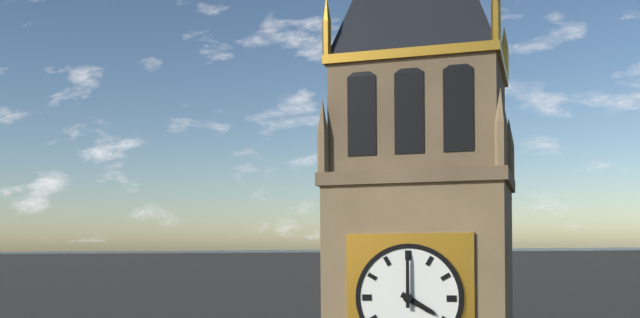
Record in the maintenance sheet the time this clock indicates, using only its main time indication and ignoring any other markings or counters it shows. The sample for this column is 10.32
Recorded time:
4.00
